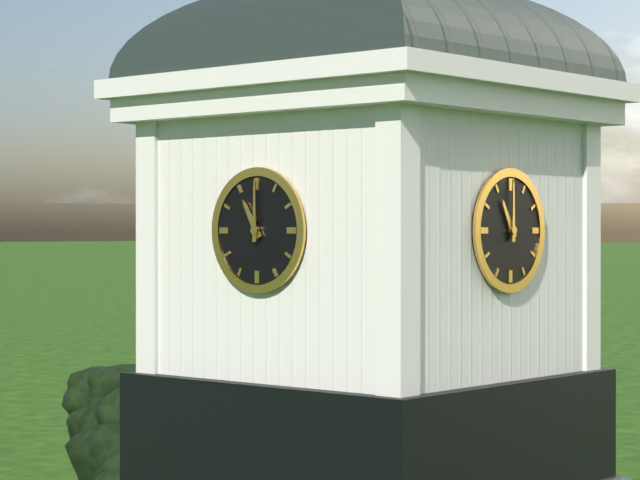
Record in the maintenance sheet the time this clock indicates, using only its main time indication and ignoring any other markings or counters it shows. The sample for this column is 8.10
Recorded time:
11.00
